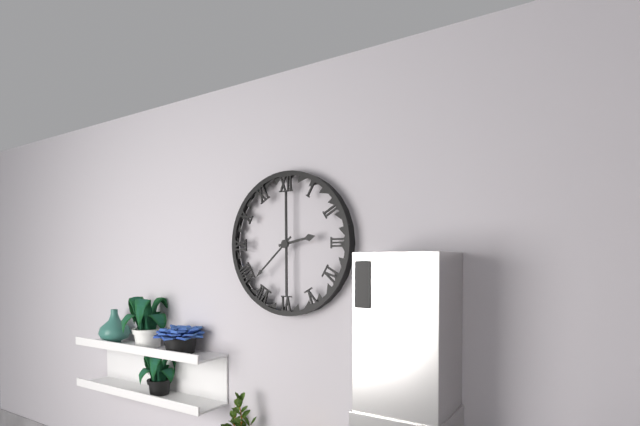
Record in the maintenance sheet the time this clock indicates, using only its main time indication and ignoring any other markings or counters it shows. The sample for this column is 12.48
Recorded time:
2.38
